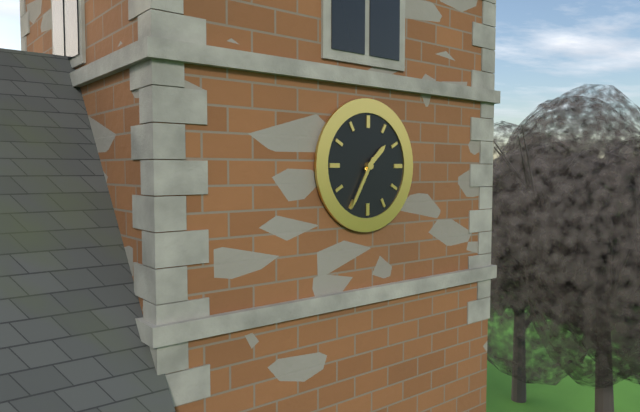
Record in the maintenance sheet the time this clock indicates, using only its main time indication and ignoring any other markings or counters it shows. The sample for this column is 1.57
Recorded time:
1.35
